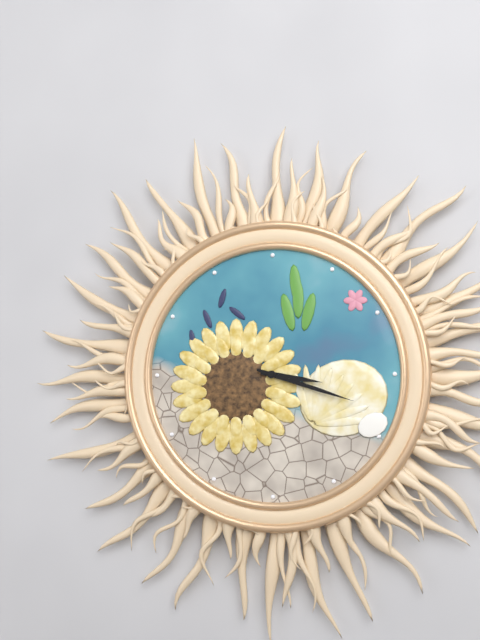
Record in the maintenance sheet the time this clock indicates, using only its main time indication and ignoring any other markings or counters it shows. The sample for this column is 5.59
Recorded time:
3.18
